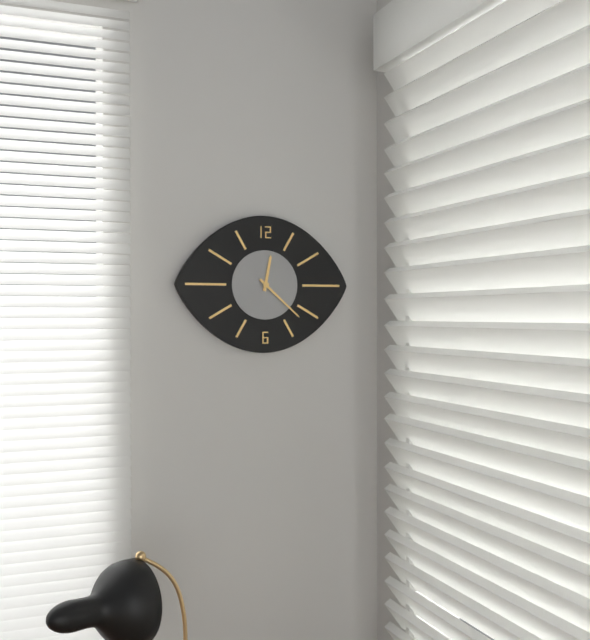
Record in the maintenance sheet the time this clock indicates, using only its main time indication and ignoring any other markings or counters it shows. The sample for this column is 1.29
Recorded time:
12.22
